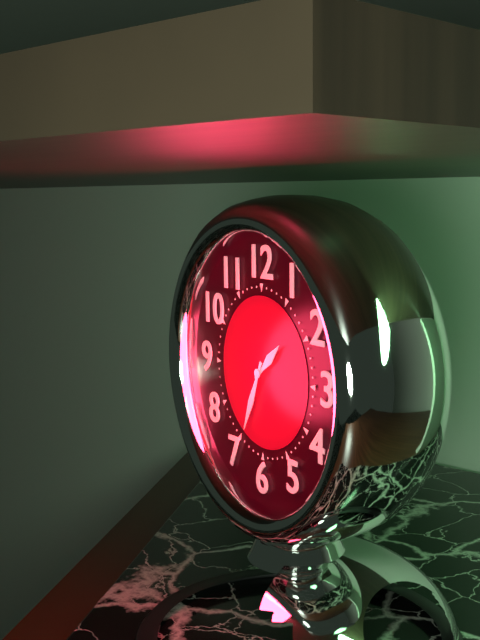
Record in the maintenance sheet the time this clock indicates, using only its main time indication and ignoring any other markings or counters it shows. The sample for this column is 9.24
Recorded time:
1.34
